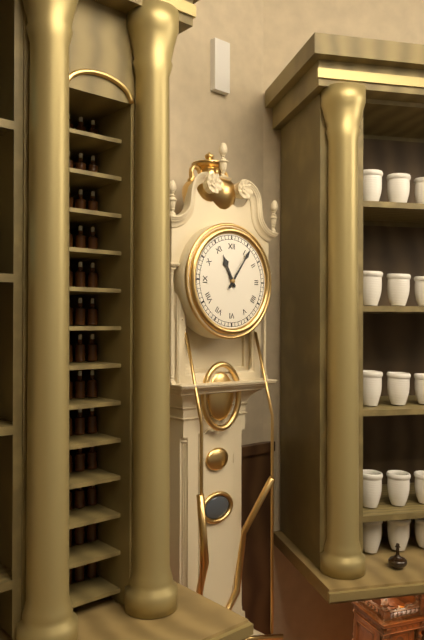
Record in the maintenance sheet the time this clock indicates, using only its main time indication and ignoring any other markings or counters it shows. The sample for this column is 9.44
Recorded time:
11.06
